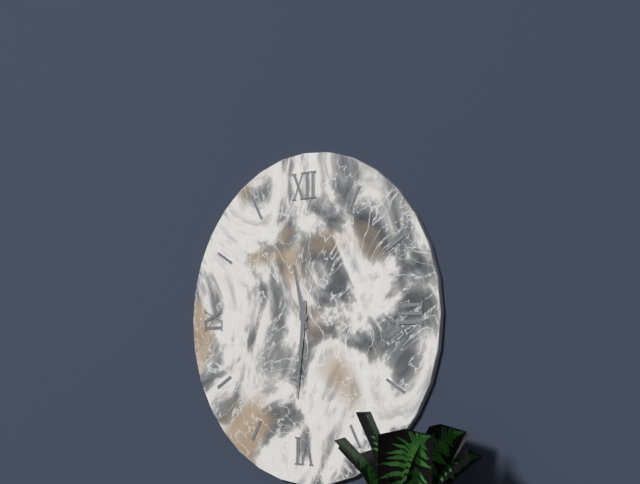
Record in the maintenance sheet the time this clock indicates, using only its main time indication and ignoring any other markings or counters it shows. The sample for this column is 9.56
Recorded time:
11.31
